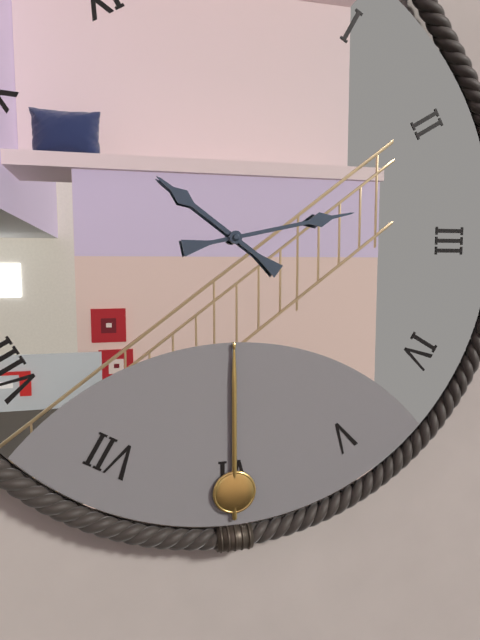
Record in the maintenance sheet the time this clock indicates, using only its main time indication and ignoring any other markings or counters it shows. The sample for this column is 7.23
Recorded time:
10.13
